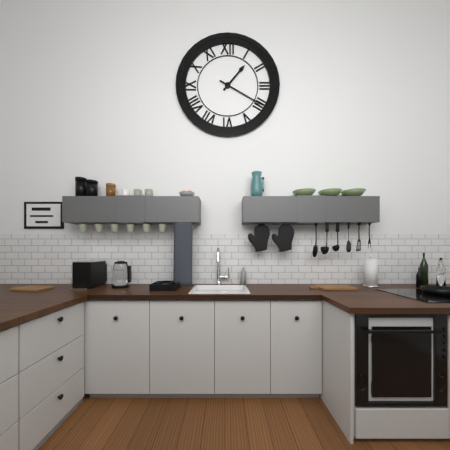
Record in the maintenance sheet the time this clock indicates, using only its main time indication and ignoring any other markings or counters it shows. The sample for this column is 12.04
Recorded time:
1.20
